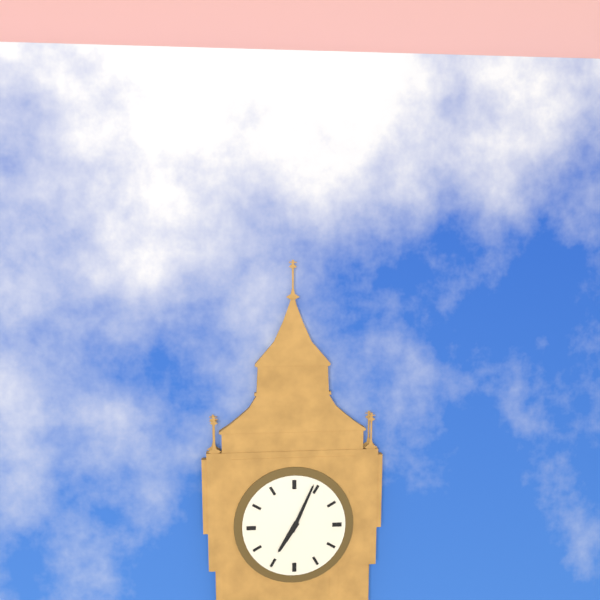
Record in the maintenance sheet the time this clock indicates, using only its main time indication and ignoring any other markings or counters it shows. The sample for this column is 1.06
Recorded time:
7.04
